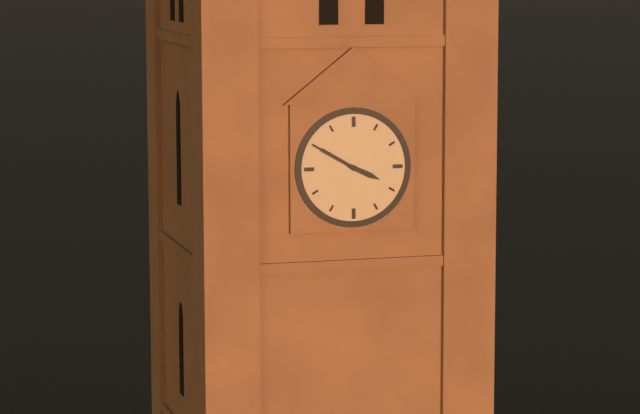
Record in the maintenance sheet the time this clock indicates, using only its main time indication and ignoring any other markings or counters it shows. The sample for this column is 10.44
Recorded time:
3.50
